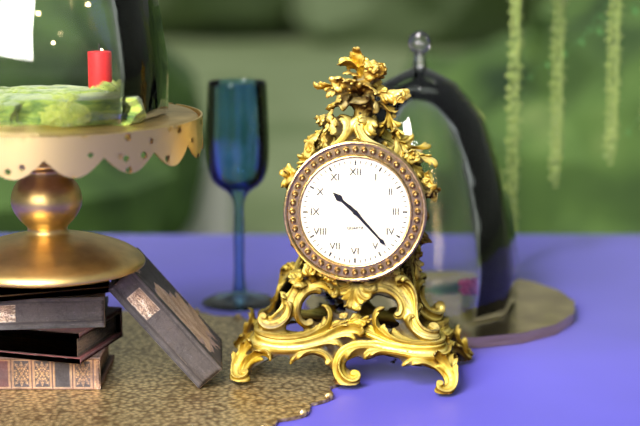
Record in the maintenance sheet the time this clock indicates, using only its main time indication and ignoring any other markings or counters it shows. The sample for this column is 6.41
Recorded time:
10.23
